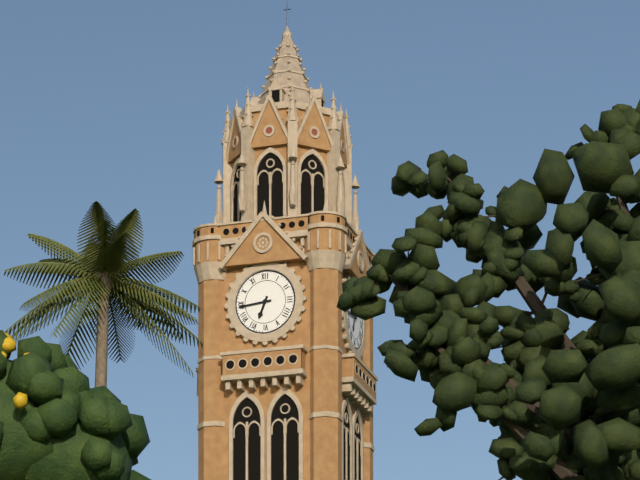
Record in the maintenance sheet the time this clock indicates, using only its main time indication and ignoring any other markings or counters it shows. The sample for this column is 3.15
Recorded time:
6.44
